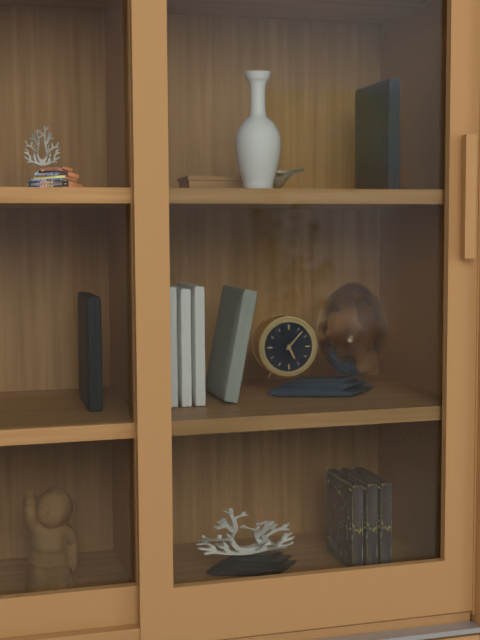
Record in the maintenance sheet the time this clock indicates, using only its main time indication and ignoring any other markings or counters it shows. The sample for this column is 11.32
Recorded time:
5.07
